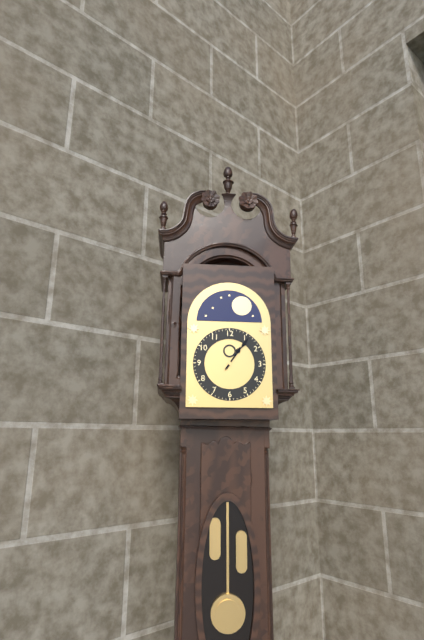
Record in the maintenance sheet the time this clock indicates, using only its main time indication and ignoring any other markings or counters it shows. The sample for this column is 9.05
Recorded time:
1.06
